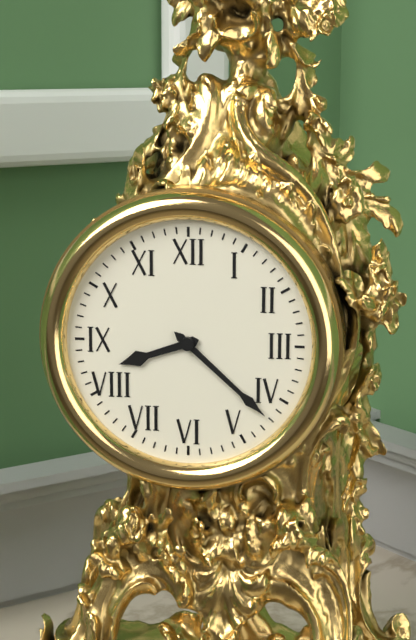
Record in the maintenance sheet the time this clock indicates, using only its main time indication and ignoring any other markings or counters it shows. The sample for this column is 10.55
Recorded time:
8.22
